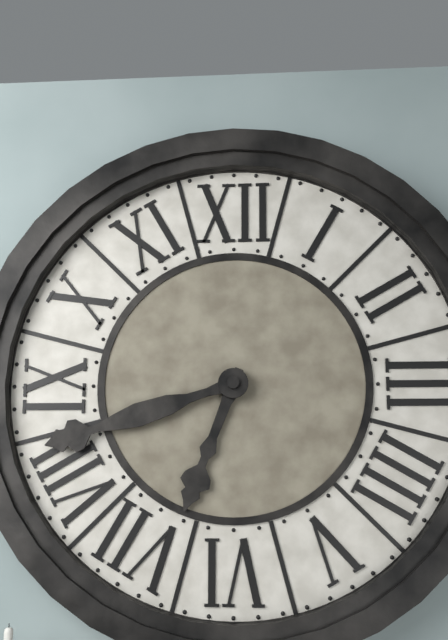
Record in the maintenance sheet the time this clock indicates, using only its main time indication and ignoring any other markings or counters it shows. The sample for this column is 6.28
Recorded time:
6.42
